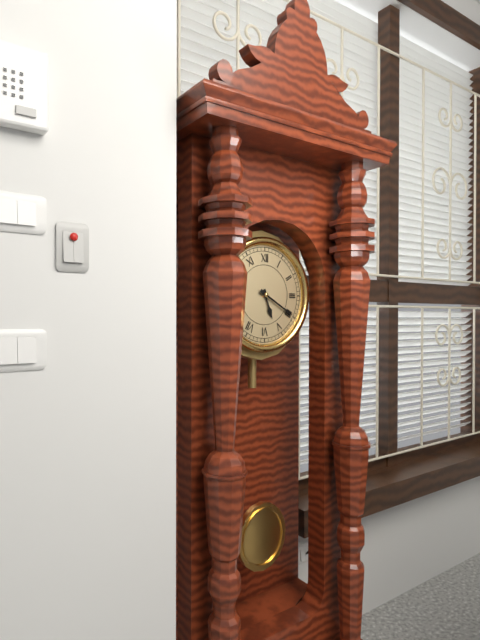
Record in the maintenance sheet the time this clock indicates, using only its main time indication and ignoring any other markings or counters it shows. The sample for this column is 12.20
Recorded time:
5.20
